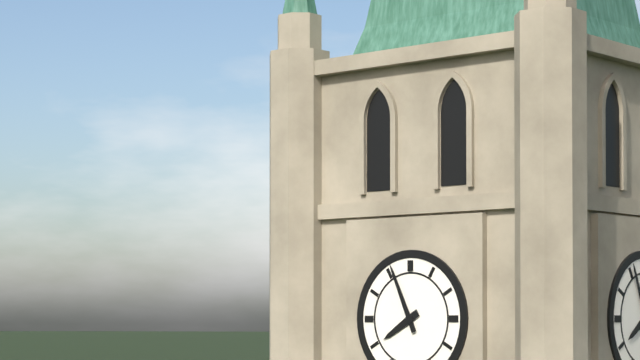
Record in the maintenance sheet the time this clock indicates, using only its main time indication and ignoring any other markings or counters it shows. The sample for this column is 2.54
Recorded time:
7.56
